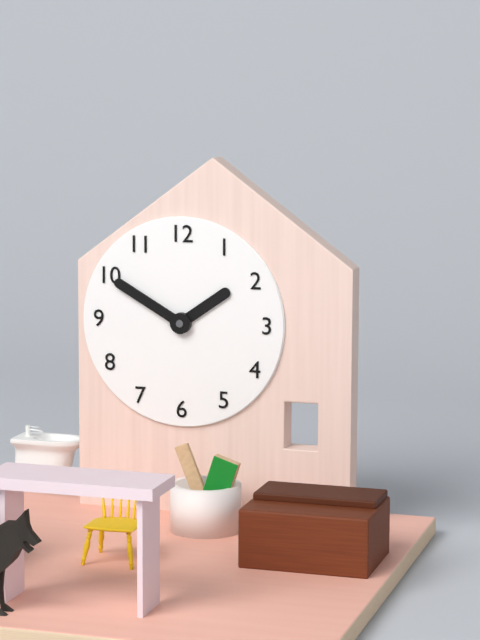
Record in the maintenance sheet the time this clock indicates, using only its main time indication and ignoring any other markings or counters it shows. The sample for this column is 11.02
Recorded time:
1.50
